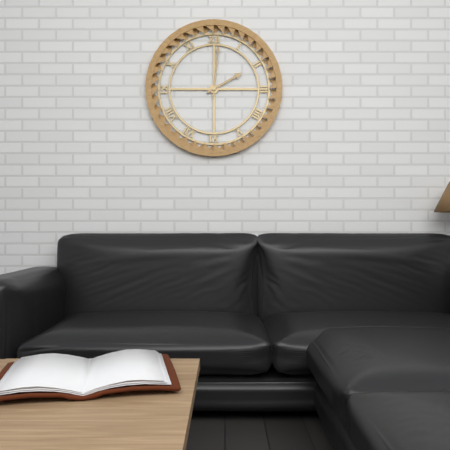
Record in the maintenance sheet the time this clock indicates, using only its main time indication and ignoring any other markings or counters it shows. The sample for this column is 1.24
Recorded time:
2.01
